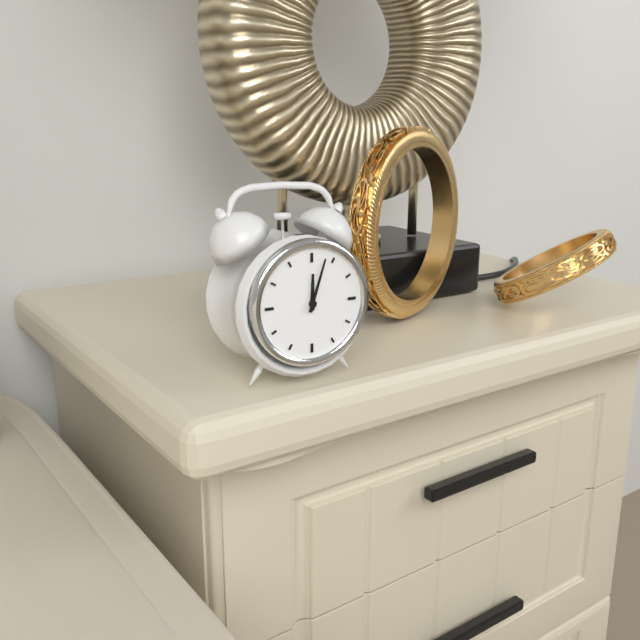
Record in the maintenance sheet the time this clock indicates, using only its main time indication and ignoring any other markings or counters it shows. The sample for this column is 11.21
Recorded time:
12.03
